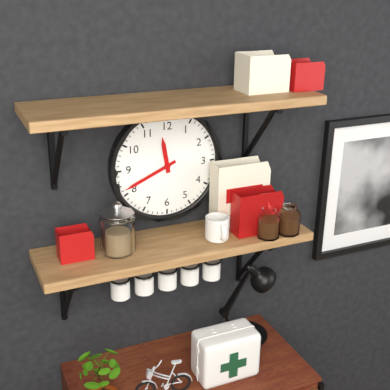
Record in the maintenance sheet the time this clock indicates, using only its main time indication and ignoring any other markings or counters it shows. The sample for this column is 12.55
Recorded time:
11.41
